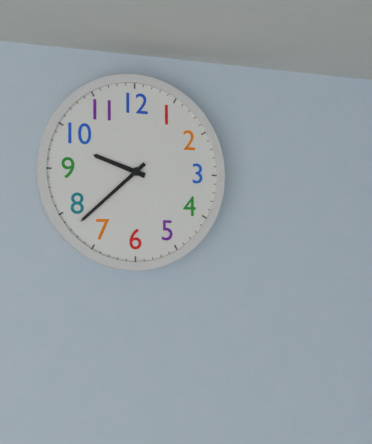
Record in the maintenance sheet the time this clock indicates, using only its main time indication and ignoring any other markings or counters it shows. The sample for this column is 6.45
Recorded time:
9.38
